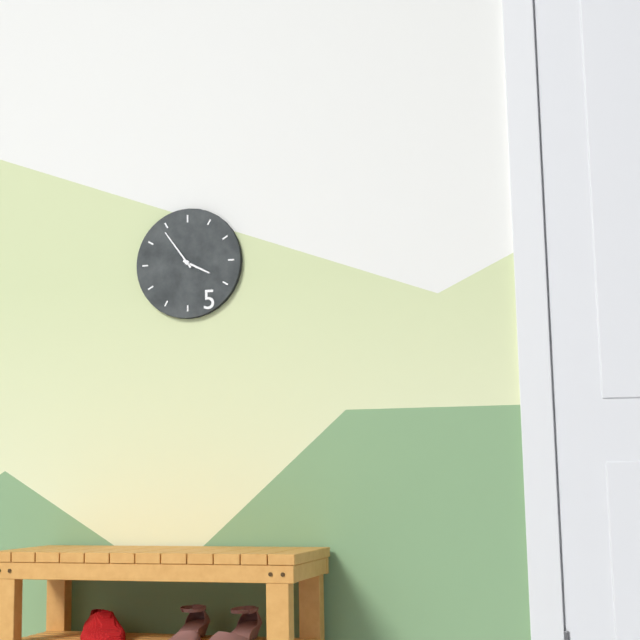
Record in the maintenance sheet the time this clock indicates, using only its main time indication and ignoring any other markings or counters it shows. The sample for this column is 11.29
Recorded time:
3.54
